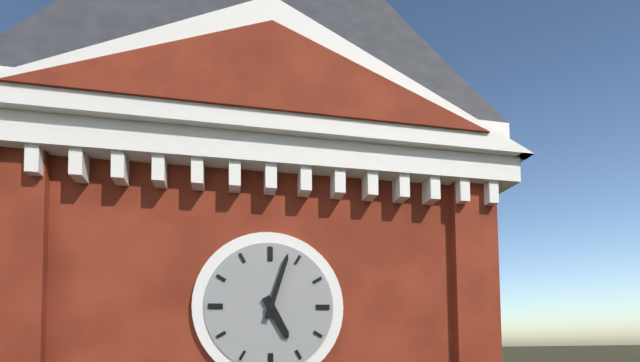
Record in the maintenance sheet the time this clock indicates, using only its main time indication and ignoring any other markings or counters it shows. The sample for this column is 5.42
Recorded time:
5.03
